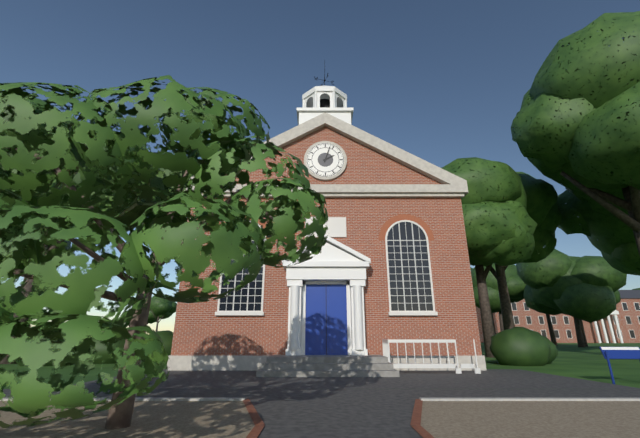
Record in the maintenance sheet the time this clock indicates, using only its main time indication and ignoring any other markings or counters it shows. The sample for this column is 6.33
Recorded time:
2.03
